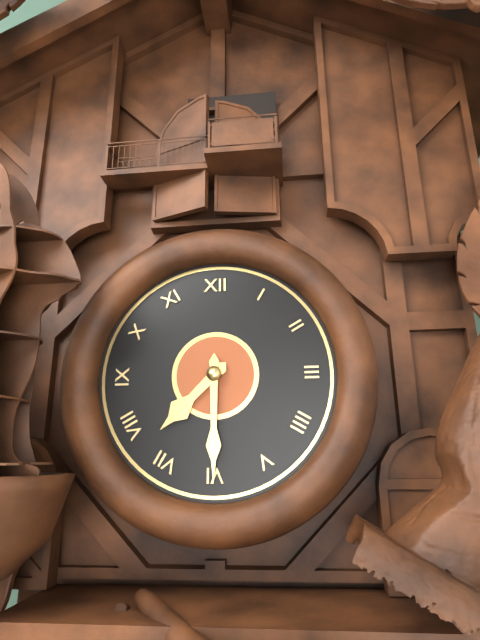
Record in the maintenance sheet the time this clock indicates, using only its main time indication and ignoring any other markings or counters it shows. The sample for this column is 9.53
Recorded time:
7.30
